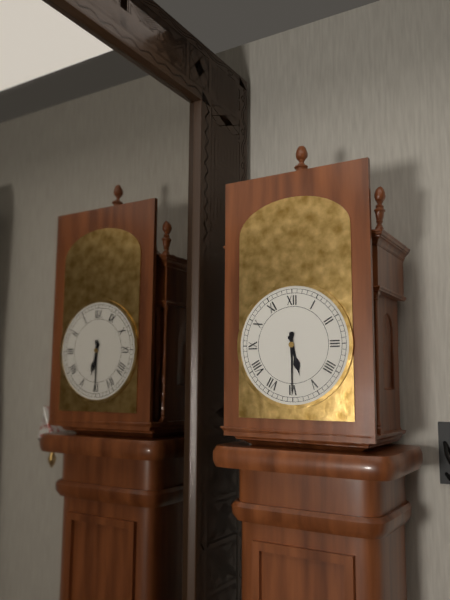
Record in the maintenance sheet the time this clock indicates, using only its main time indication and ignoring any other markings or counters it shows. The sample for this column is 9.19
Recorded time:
5.30
